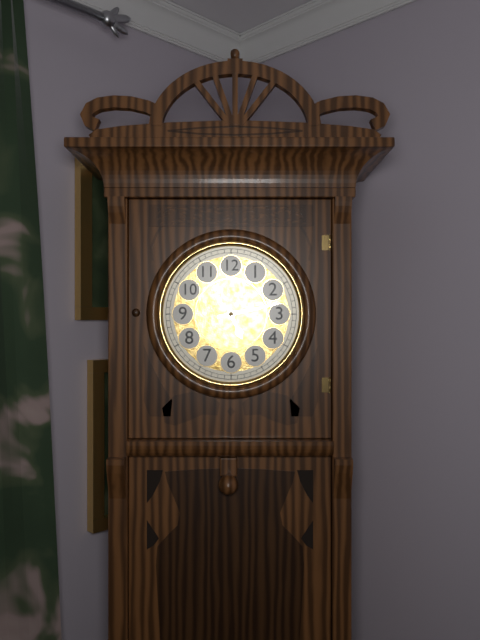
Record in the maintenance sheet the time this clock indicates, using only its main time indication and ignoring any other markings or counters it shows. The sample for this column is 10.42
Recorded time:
5.13
